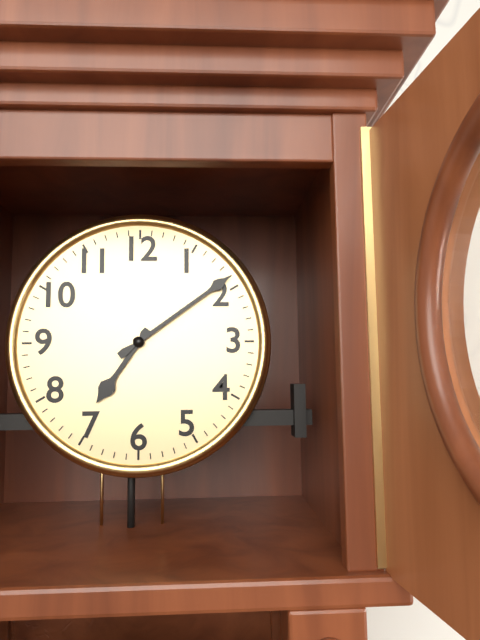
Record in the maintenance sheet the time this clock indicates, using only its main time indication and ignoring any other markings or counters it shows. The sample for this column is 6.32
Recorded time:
7.09
